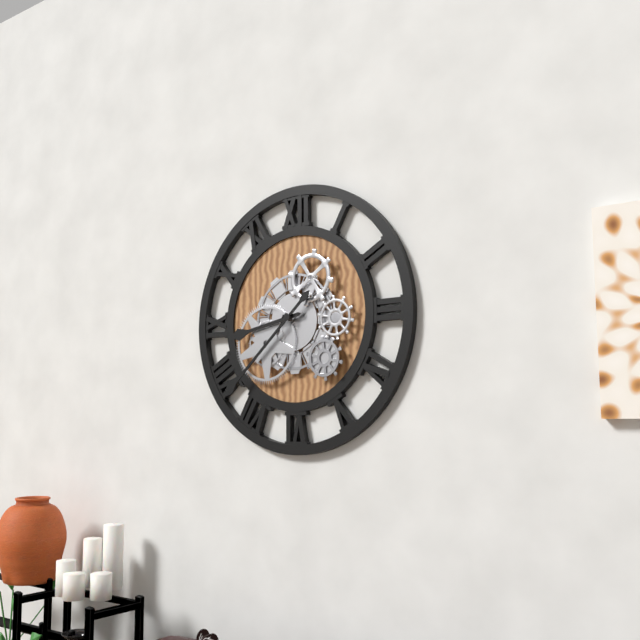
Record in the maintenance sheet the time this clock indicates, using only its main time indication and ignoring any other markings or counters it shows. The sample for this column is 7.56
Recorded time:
8.38
